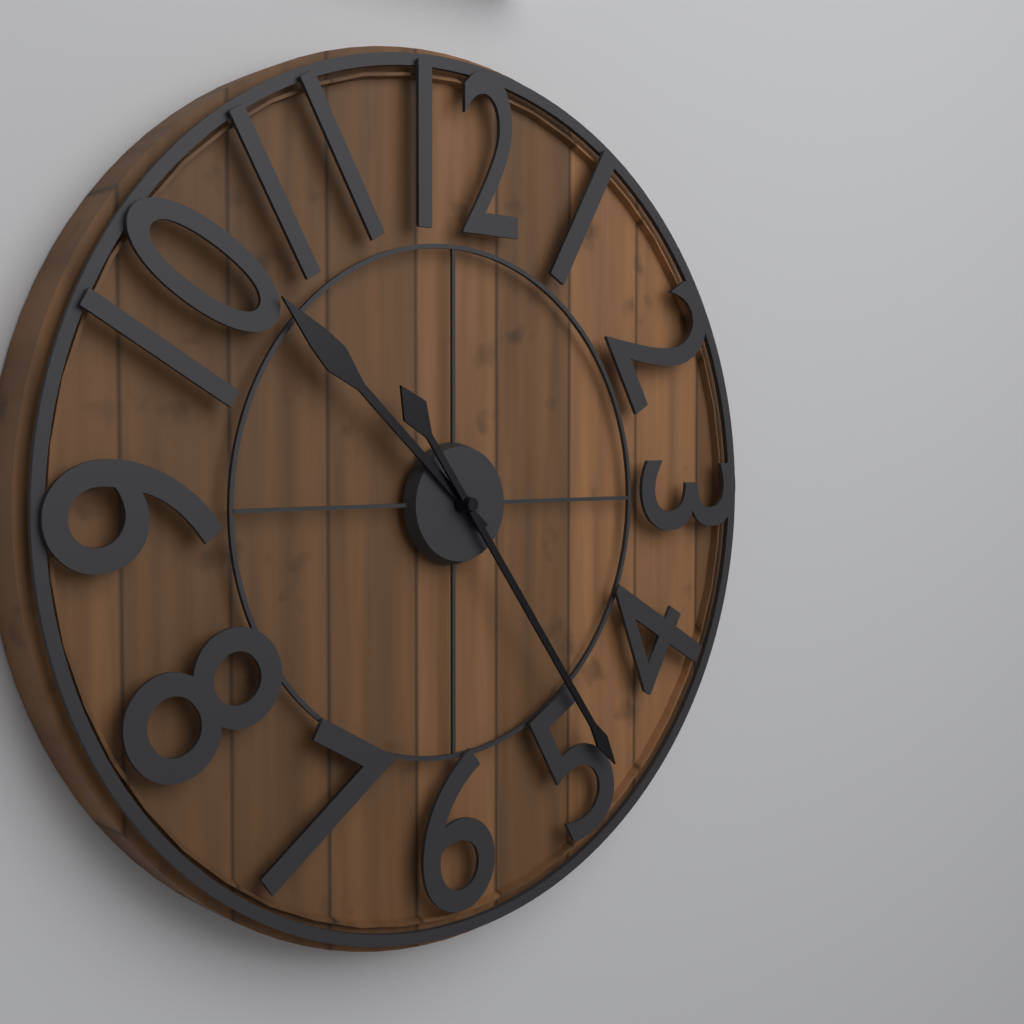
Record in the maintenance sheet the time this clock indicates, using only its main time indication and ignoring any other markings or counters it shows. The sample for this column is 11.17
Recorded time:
10.24
